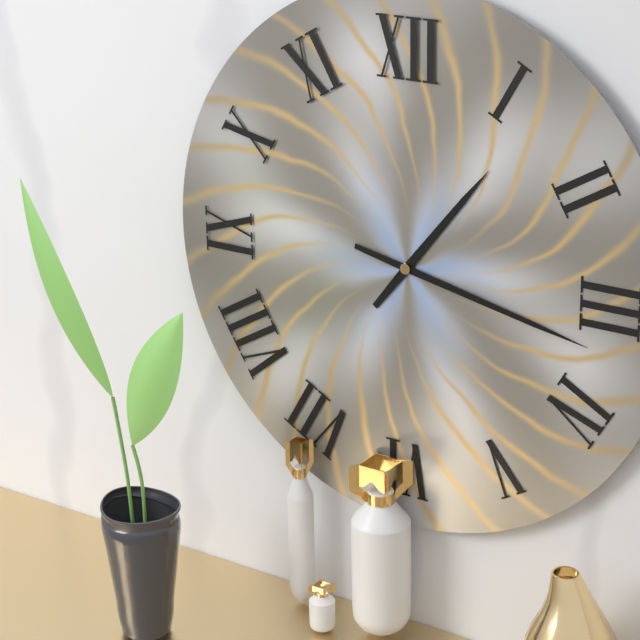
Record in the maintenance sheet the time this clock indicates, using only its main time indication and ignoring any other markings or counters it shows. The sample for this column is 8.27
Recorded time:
1.17
